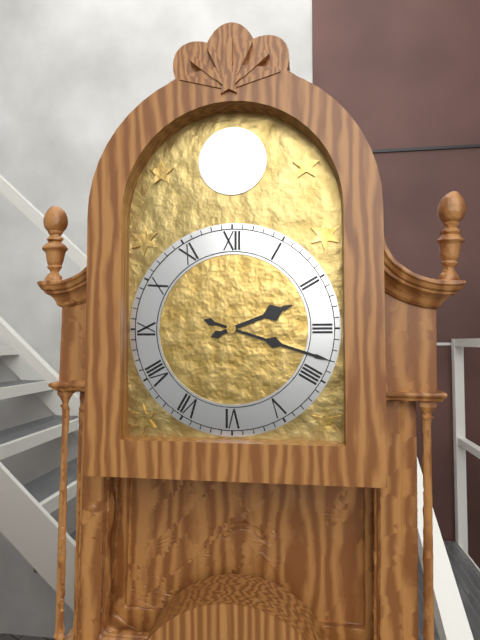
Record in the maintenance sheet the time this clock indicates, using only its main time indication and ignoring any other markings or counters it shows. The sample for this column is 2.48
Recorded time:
2.18
